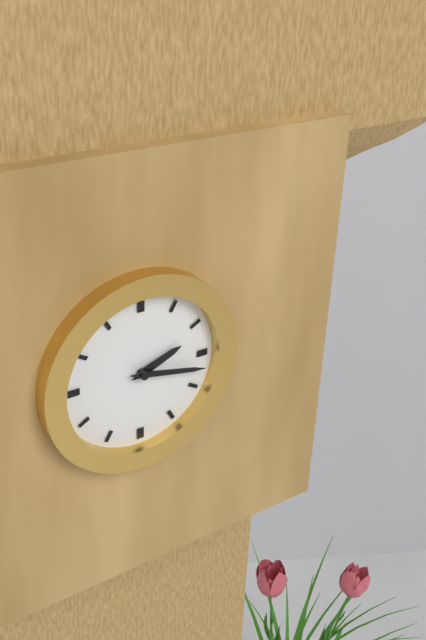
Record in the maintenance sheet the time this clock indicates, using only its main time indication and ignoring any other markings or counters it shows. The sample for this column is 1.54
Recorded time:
2.17
